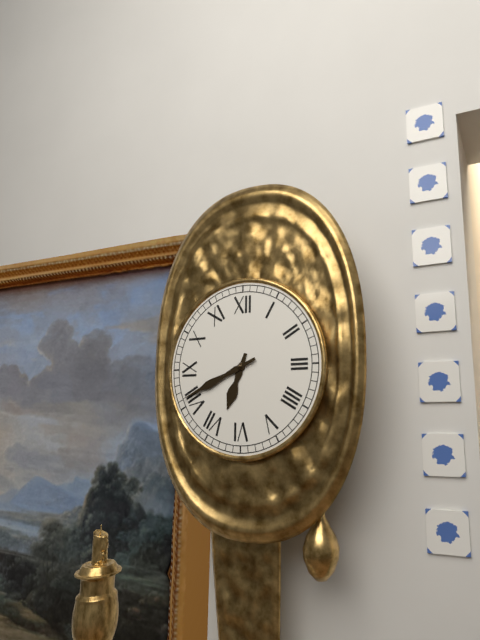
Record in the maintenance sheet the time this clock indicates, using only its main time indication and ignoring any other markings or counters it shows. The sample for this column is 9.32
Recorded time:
6.41
